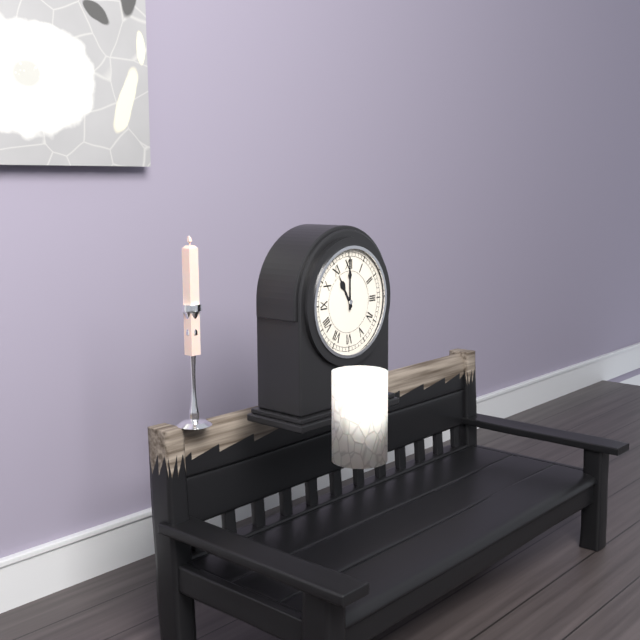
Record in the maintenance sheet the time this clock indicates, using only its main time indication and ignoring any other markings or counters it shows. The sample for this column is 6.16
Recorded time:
11.00
